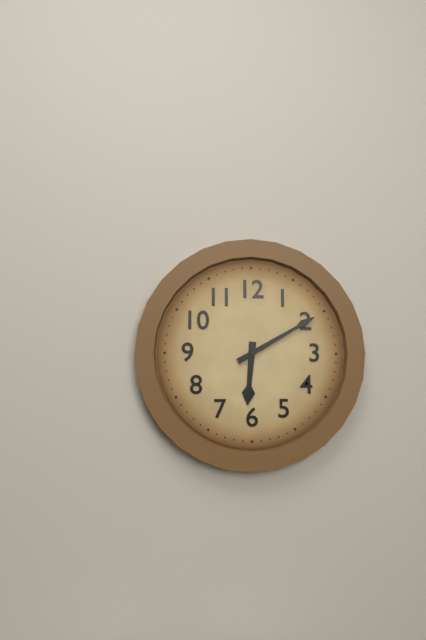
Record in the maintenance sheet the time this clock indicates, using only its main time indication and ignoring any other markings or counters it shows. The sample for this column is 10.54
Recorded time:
6.10
